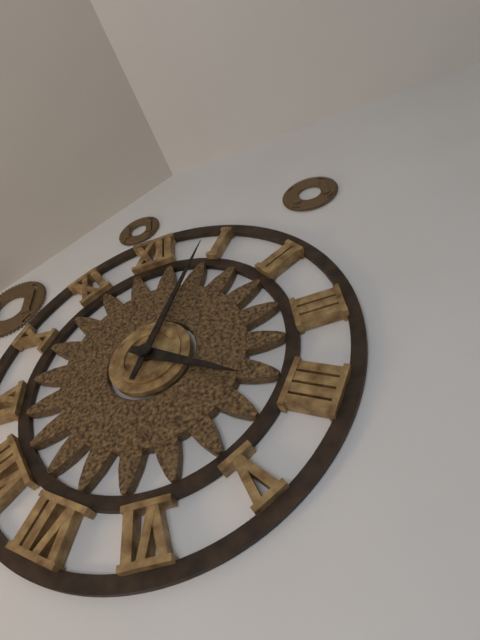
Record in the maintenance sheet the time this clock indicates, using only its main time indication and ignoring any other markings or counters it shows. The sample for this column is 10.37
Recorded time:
4.04
